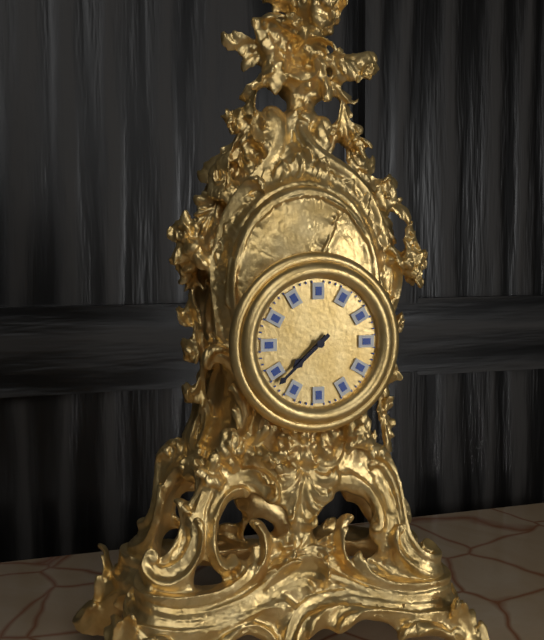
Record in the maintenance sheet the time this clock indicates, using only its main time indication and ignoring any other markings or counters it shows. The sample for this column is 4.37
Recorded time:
7.38
